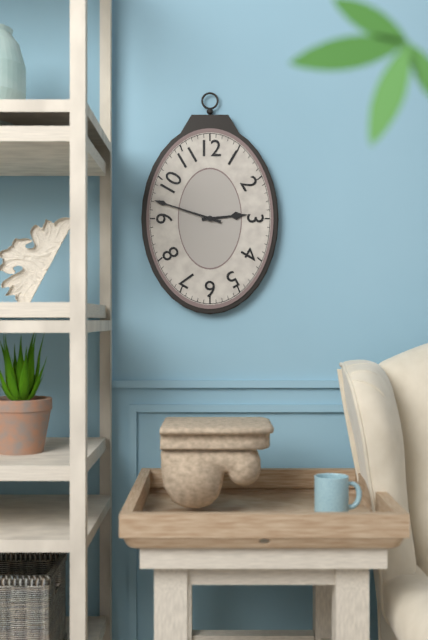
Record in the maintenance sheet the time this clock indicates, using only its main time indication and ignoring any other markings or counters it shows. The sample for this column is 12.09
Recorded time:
2.48
